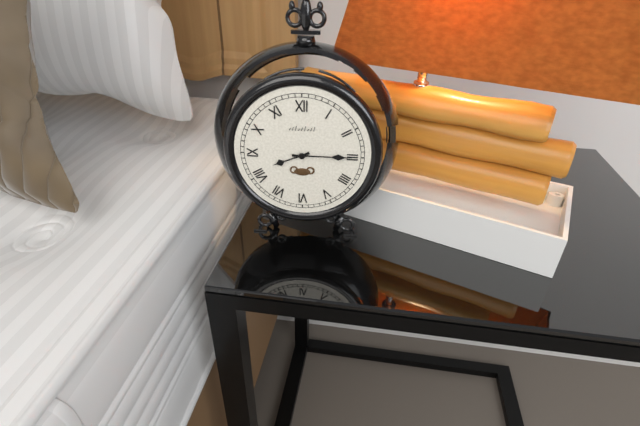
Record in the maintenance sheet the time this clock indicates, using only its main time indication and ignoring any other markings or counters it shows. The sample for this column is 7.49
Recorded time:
8.15
